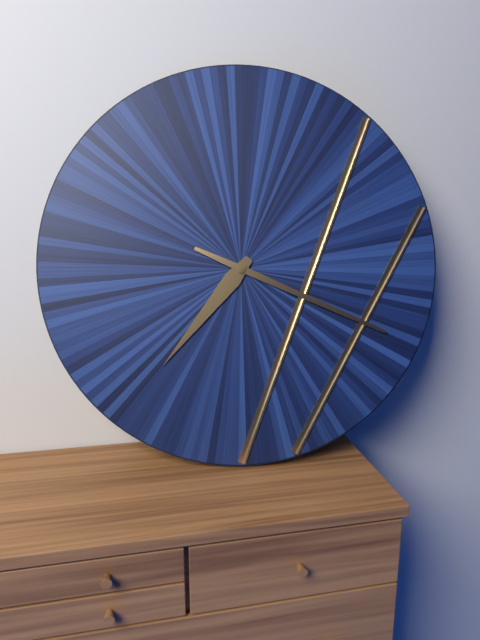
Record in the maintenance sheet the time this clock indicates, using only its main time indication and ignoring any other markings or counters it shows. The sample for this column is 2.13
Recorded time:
7.19
